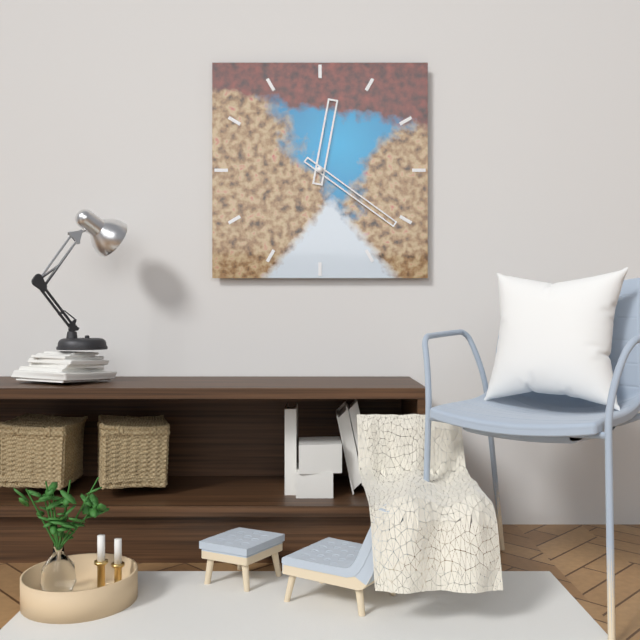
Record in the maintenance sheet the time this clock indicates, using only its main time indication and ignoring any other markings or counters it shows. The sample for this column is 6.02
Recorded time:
12.21
